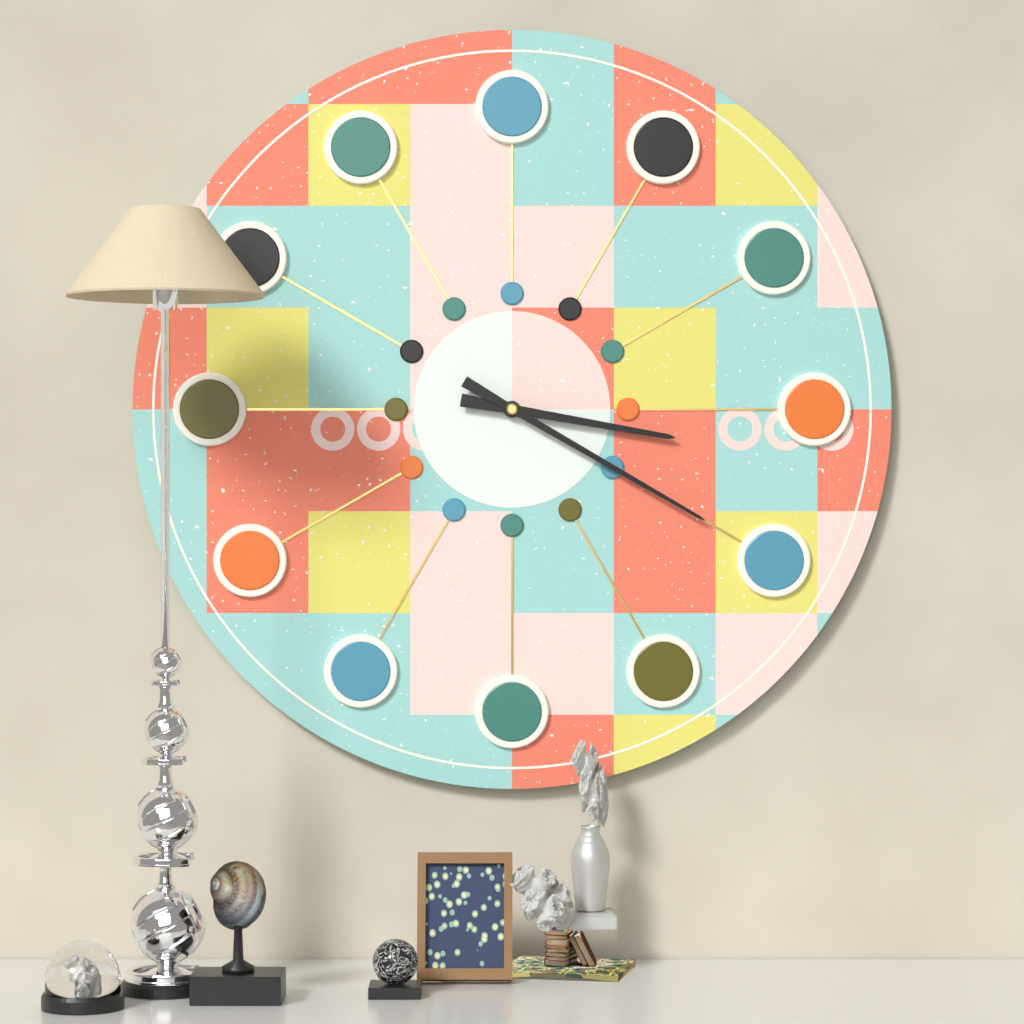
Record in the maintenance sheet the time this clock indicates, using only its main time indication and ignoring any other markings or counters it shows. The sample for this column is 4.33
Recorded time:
3.20
